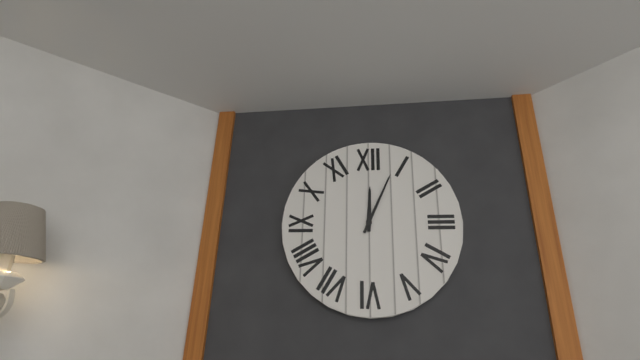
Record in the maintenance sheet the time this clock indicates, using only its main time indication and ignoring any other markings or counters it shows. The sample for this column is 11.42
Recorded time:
12.04
